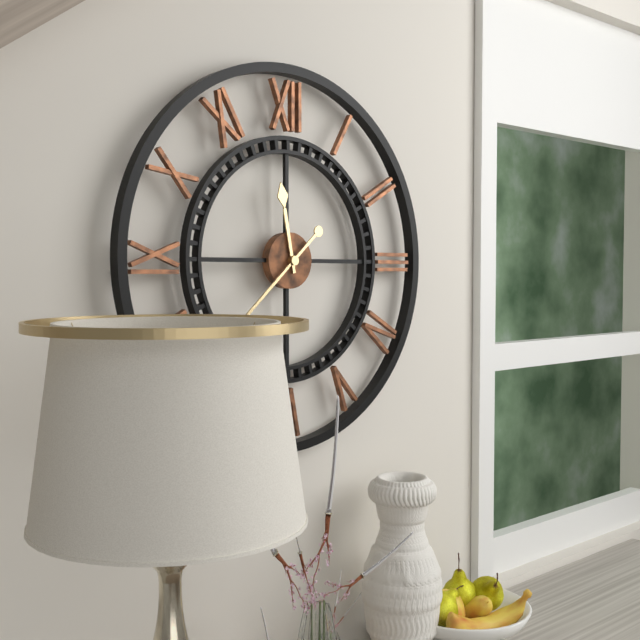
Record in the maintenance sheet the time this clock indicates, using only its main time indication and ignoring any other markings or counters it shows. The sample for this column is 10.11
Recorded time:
11.38
